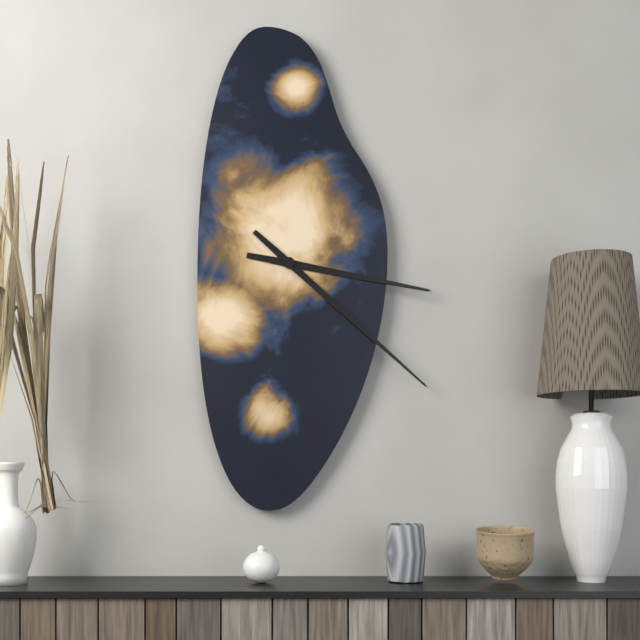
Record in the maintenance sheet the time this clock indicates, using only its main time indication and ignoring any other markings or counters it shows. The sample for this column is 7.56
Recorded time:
3.22
